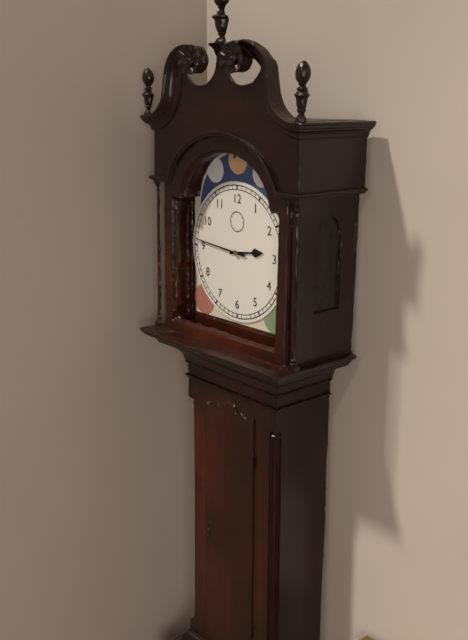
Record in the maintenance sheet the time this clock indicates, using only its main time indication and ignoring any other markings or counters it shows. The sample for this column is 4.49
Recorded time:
2.46
